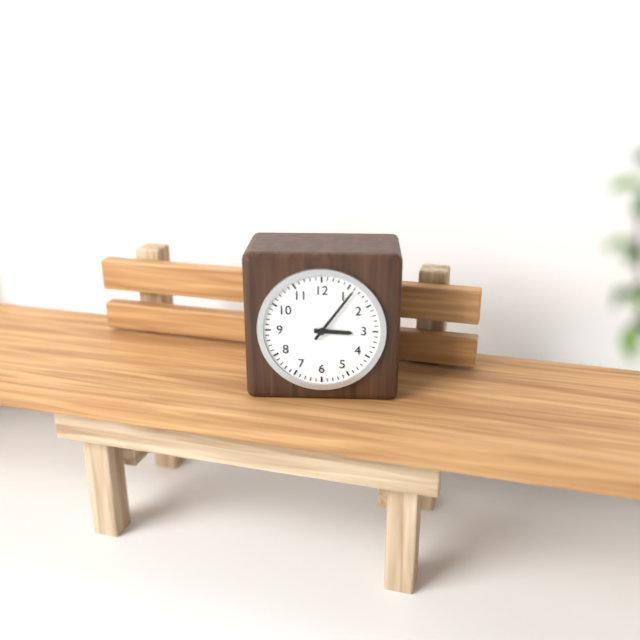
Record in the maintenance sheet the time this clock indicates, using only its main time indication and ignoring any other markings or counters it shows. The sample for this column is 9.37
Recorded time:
3.06
